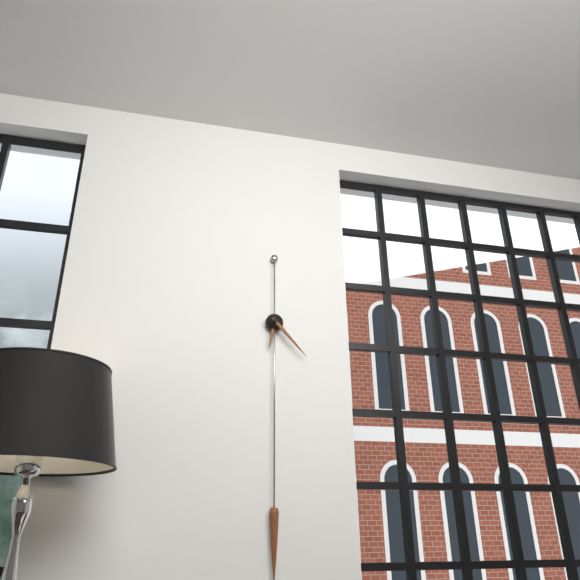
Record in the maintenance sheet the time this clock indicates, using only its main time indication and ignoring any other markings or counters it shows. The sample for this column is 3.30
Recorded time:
6.23
